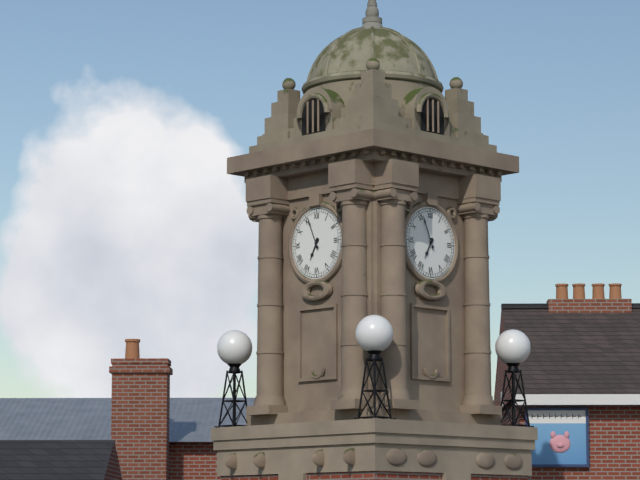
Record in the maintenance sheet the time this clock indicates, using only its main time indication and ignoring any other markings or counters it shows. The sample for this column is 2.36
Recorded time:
6.56
